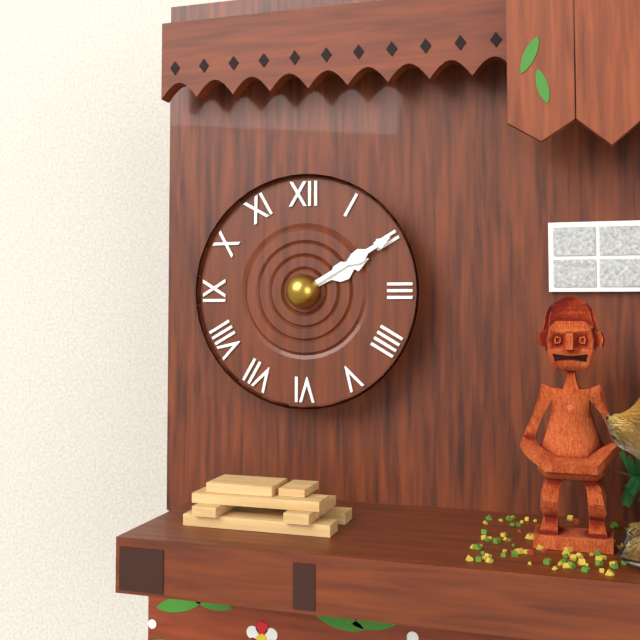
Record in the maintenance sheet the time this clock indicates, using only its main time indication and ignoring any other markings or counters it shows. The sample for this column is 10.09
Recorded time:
2.10
